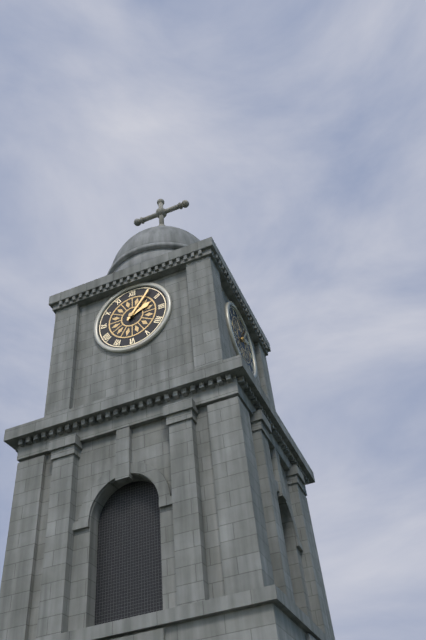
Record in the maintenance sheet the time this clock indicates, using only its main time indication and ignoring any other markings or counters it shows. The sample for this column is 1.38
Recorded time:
2.06
